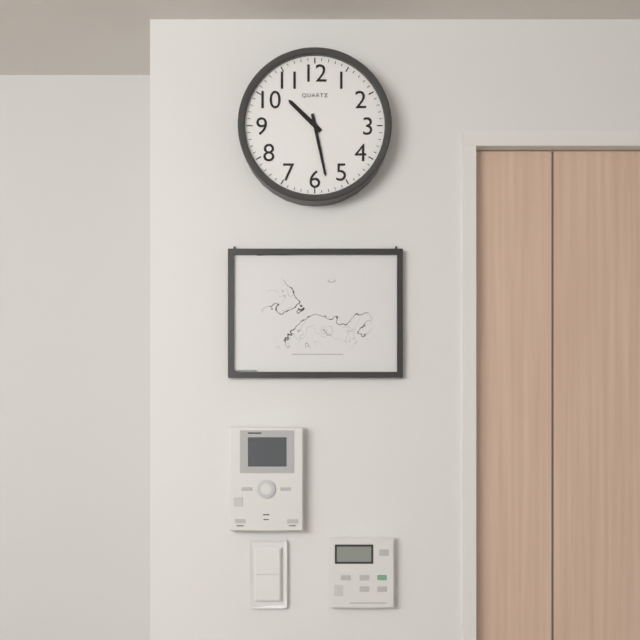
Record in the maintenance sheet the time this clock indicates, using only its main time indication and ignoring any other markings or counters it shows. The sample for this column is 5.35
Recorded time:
10.28
